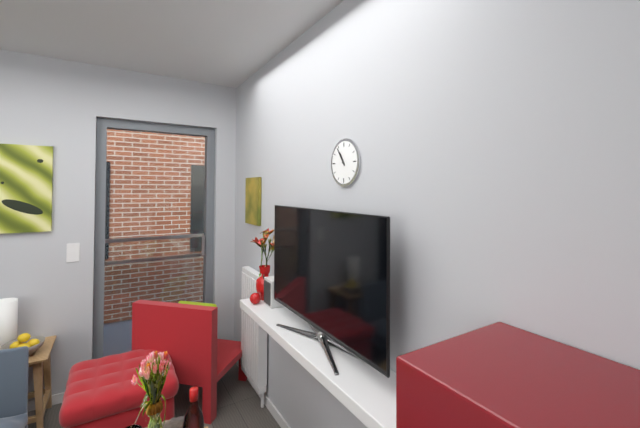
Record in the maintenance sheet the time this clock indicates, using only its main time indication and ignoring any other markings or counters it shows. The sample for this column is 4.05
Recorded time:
10.54
